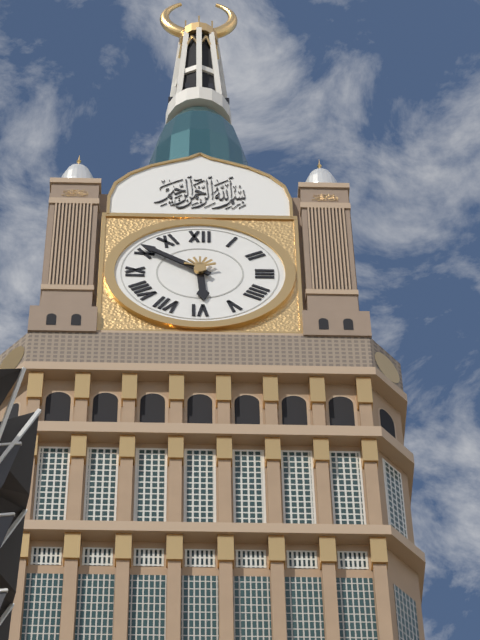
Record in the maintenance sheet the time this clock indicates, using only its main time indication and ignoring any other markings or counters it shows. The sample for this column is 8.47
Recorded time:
5.51
